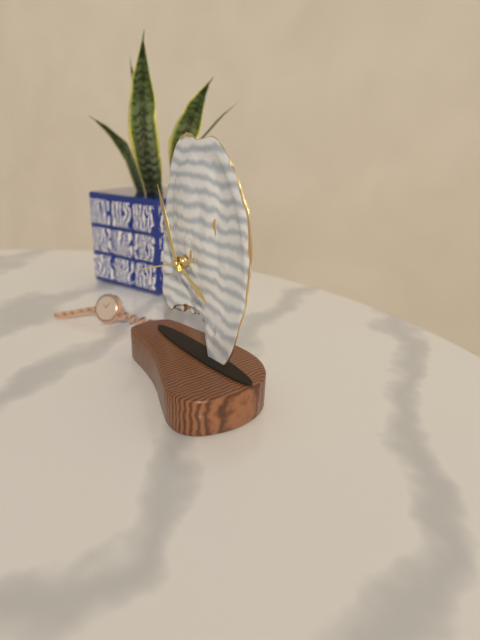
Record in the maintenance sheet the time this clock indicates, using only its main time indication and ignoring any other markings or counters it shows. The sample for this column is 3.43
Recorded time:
3.56
